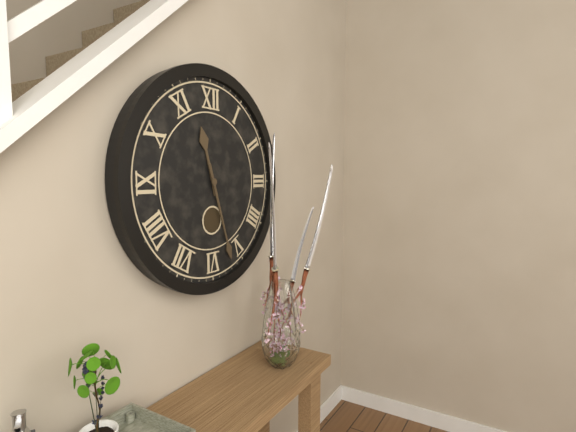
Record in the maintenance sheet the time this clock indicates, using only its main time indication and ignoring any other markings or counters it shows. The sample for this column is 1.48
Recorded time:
11.27
